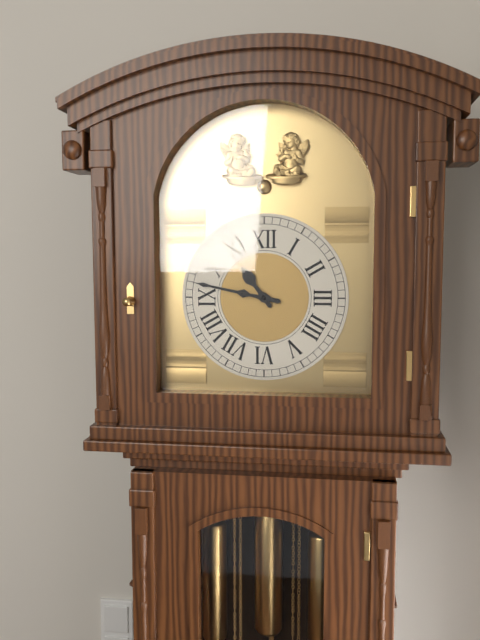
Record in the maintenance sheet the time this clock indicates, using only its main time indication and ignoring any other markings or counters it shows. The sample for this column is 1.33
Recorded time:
10.47
